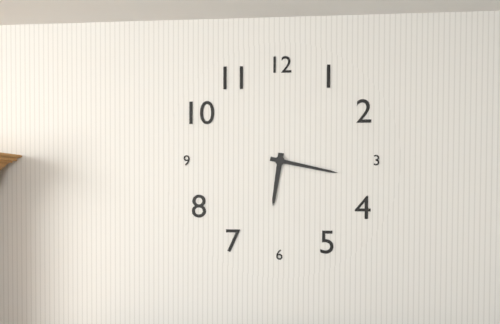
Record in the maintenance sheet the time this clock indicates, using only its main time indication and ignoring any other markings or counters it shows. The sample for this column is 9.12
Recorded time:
6.17
